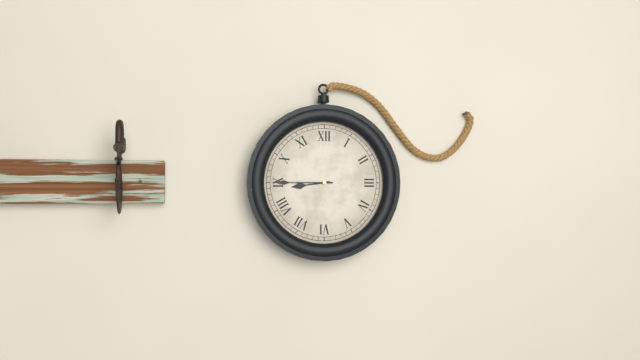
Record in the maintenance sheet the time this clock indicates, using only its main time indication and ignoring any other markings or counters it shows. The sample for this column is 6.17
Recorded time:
8.45
